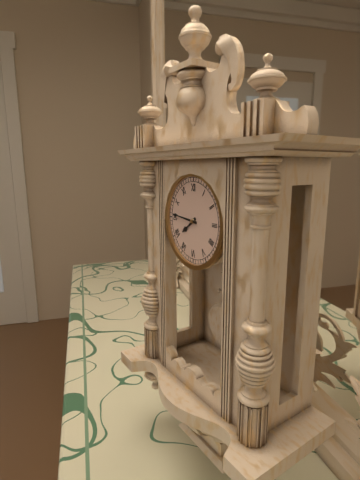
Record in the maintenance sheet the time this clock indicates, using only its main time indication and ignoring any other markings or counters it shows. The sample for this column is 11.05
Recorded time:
7.46
